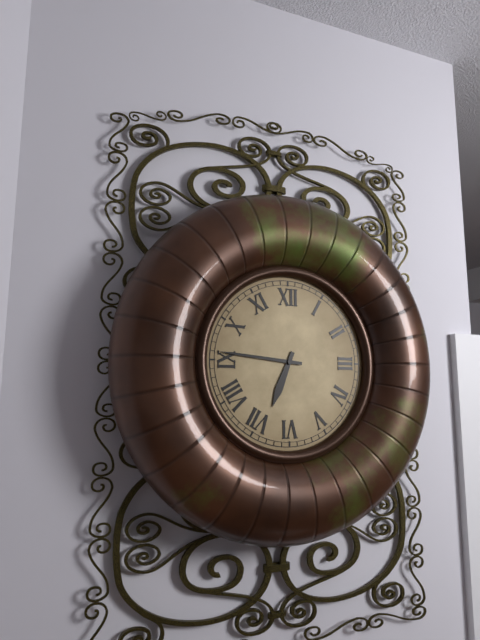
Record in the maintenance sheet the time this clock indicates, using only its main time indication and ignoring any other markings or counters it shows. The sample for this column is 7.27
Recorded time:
6.46
